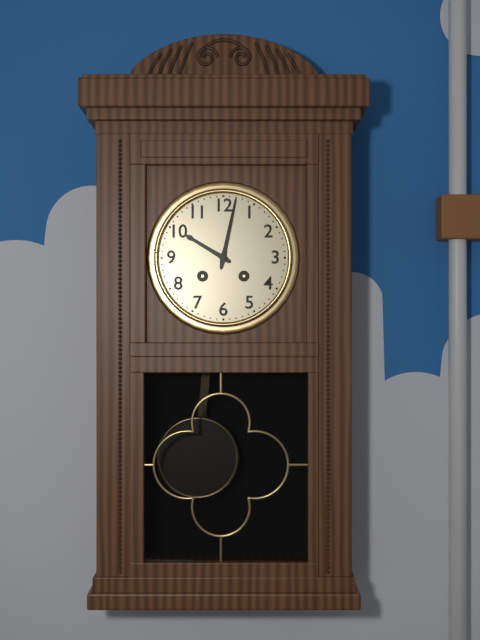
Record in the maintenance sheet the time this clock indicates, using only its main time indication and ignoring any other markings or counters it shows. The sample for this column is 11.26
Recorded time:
10.02
